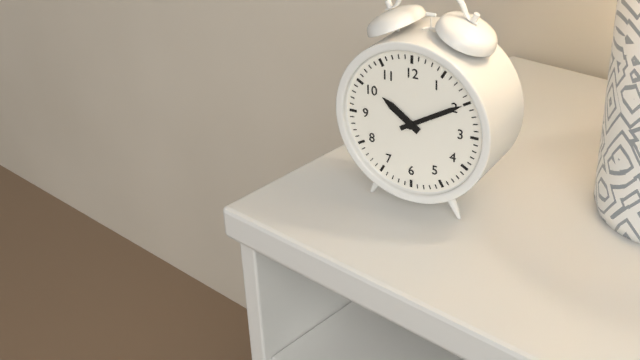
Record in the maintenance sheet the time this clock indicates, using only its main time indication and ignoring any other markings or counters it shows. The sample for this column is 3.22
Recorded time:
10.10
